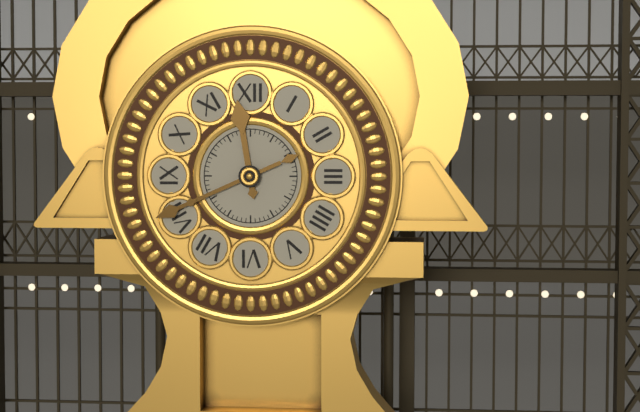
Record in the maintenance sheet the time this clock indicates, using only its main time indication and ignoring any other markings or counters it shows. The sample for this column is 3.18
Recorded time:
11.41
